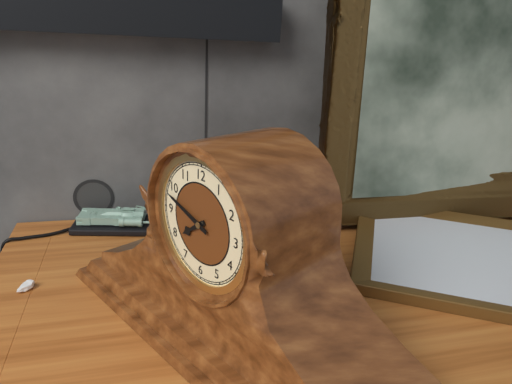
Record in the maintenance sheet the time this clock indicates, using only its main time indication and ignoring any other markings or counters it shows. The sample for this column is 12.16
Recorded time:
7.48
